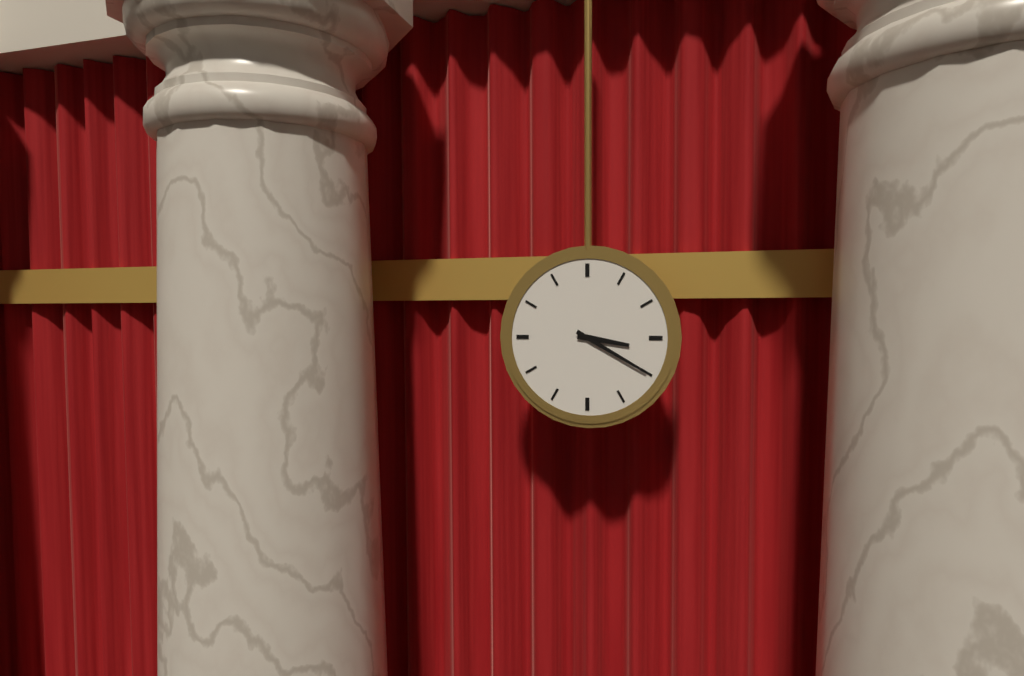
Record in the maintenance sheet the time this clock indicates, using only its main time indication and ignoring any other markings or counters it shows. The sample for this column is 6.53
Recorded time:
3.20
